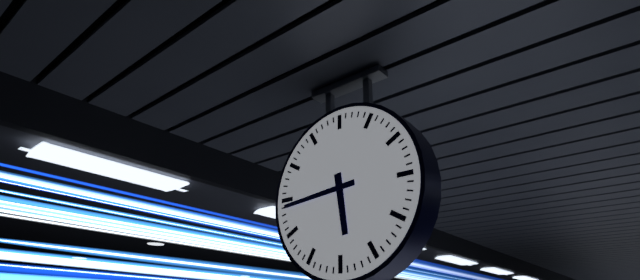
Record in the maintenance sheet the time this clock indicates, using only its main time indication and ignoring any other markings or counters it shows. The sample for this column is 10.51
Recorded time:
5.44
